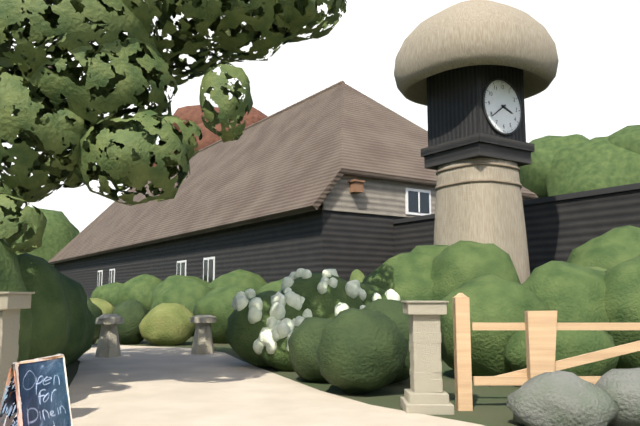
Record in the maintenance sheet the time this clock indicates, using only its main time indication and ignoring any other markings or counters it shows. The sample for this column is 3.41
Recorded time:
3.39
